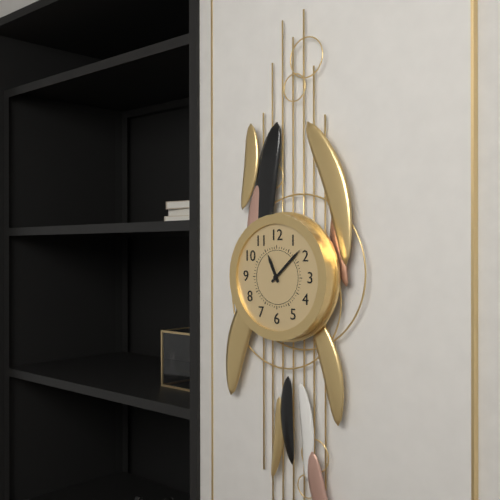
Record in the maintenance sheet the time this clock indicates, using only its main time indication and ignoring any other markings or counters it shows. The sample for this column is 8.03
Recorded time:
11.08
